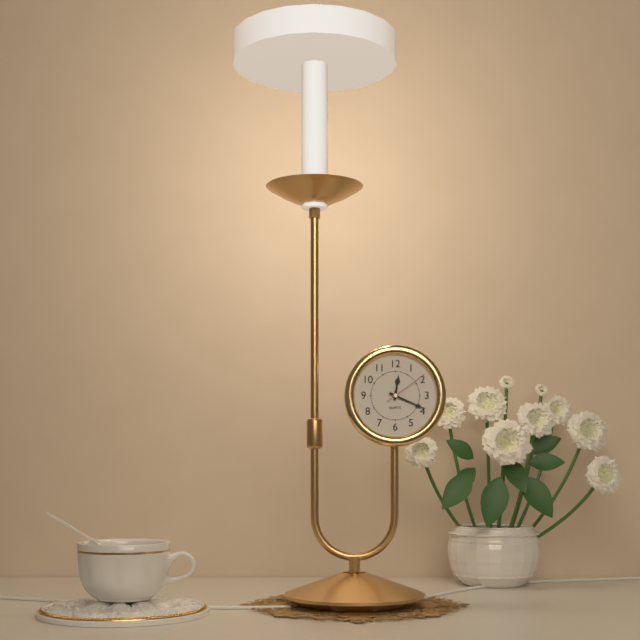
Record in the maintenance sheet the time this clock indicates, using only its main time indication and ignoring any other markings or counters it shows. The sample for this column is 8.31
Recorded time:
12.19
